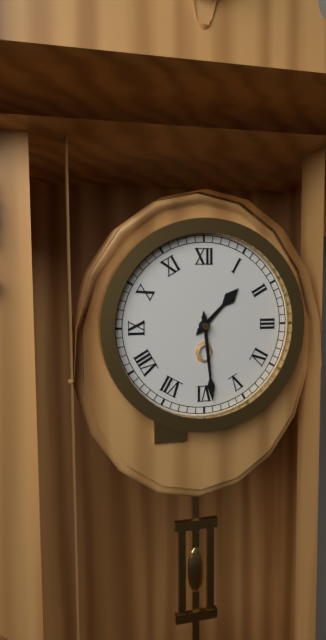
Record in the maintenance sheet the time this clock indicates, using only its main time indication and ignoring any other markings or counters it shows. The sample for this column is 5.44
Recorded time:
1.29
